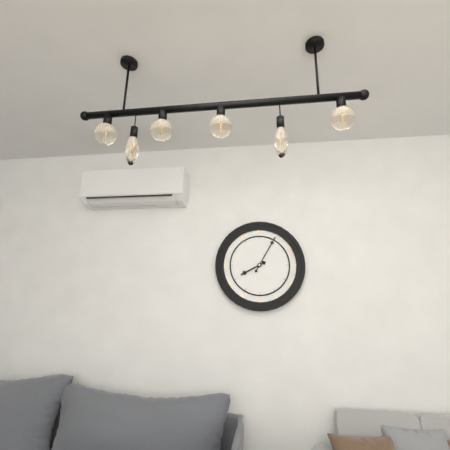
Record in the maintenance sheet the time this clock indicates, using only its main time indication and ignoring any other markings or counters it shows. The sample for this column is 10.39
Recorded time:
8.05
